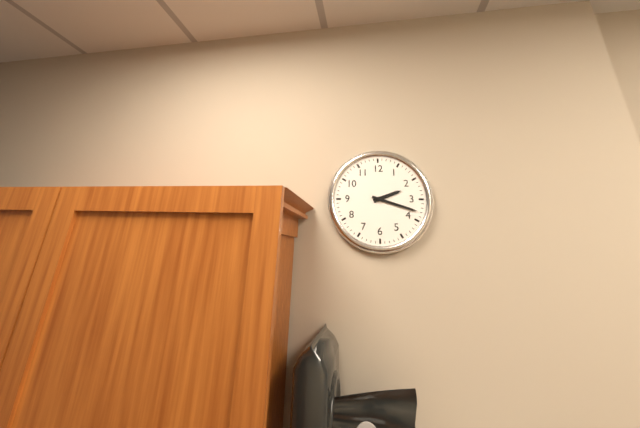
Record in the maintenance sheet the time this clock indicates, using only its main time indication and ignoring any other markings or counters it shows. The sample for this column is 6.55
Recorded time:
2.18
